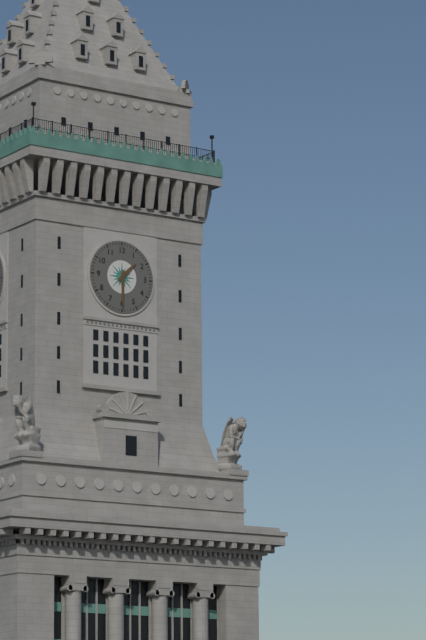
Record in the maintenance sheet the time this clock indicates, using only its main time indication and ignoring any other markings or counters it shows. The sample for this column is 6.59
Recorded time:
1.30
